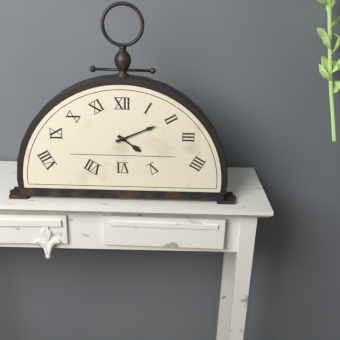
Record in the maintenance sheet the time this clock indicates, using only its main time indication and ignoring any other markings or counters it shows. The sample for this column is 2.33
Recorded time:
4.11
